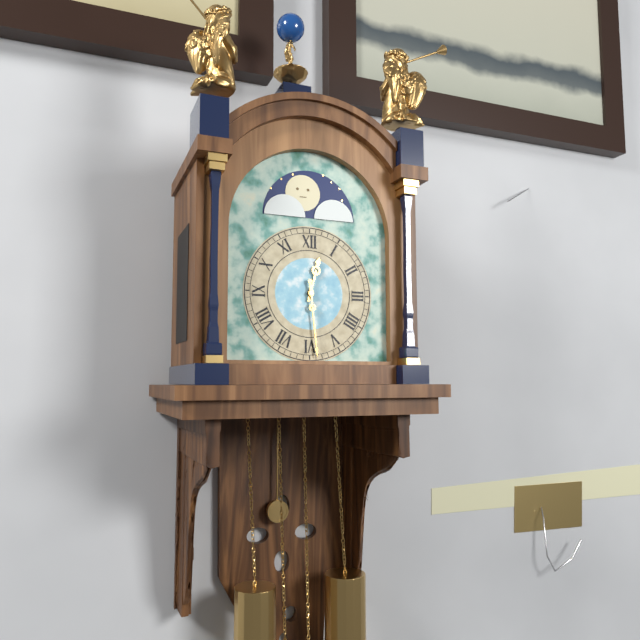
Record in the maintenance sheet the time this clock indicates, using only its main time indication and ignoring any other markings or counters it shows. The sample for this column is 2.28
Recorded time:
12.29
